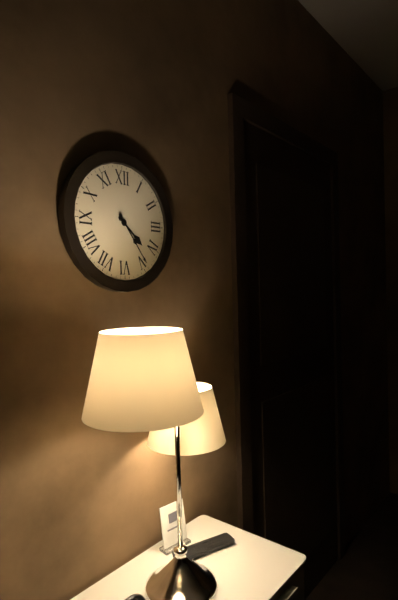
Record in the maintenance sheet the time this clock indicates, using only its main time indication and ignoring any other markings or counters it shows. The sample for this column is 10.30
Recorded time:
4.24
